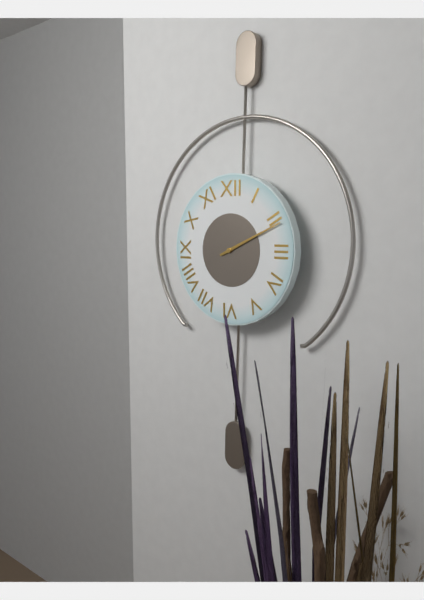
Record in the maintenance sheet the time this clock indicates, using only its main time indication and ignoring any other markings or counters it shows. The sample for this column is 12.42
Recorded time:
2.11
